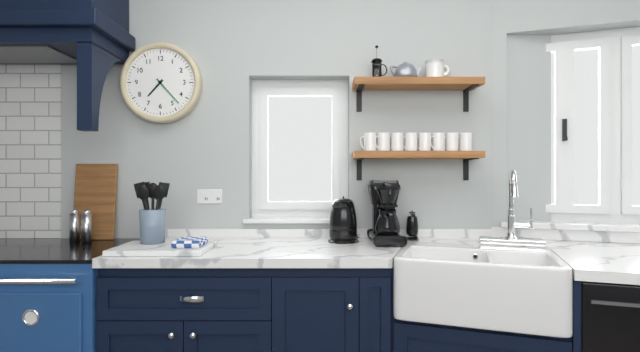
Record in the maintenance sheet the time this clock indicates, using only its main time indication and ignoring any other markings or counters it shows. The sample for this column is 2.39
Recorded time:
7.23
